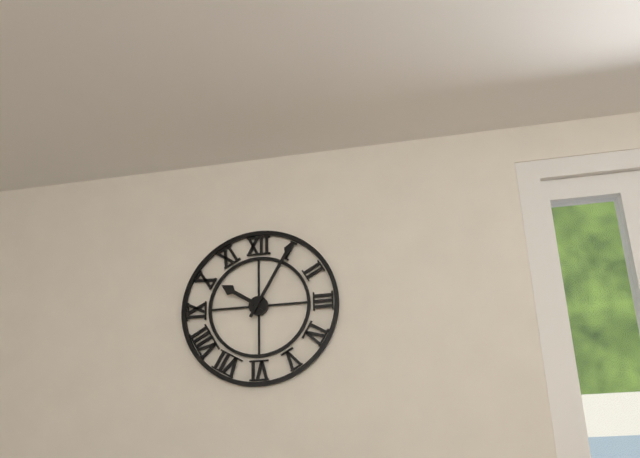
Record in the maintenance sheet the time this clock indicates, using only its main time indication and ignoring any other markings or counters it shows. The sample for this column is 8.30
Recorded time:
10.05
